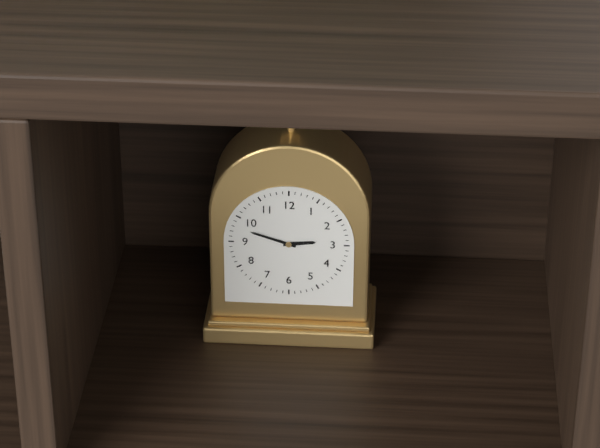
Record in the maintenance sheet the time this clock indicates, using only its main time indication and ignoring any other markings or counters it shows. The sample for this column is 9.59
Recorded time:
2.48
